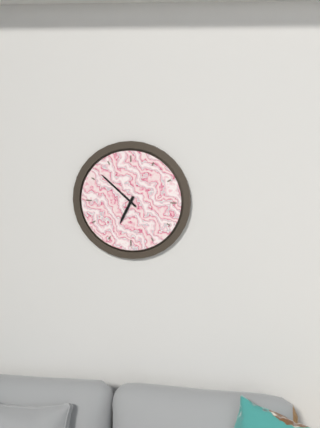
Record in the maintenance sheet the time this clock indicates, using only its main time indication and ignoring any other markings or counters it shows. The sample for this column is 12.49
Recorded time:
6.52
